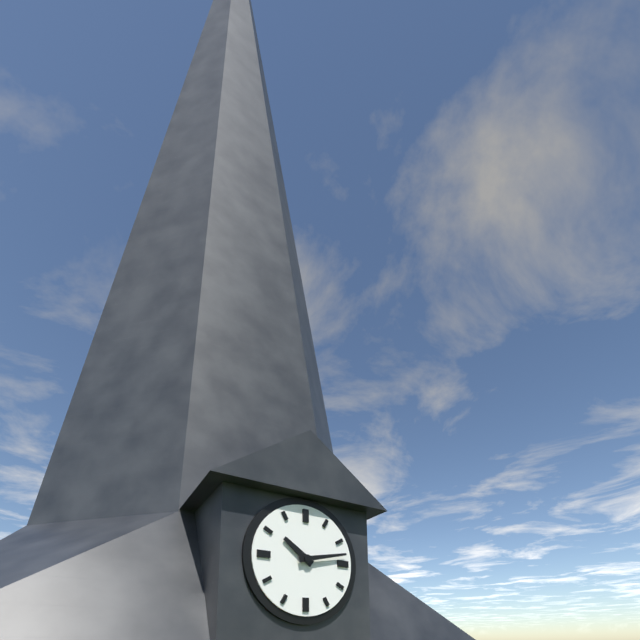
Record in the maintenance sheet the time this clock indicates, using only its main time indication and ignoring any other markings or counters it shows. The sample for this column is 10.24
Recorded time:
10.13
